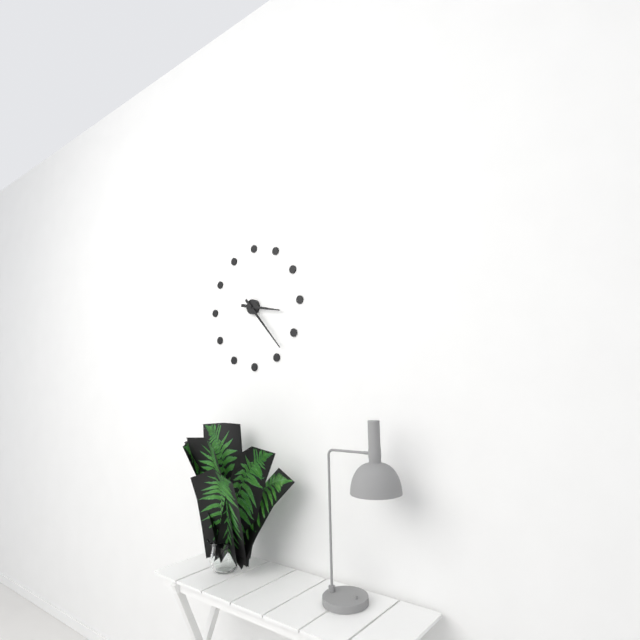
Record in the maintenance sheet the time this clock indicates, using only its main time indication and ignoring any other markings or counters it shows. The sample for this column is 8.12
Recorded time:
3.23
